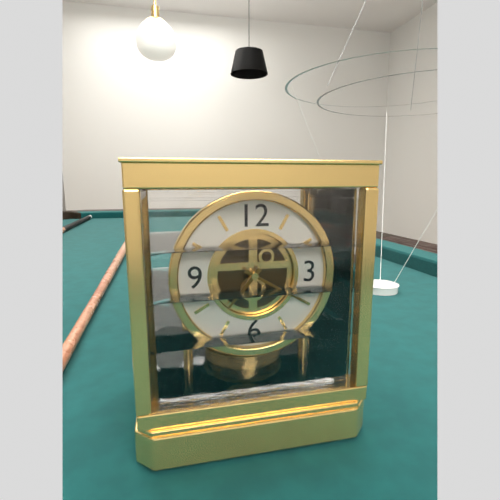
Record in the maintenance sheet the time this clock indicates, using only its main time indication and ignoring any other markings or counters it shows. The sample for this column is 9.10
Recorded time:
7.20
